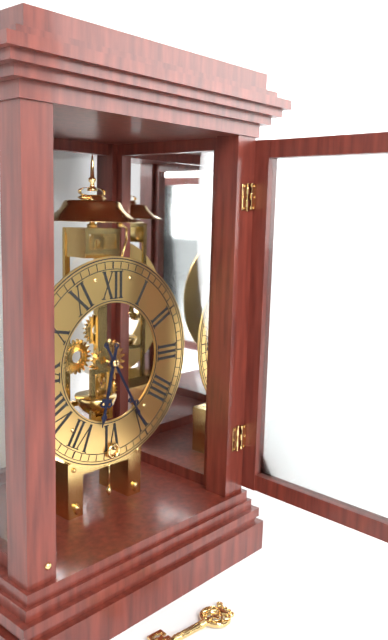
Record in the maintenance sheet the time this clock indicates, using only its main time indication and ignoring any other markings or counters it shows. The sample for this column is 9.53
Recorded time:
6.25
